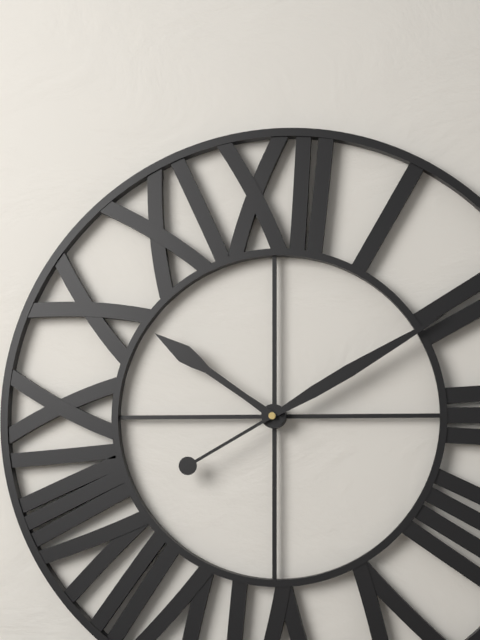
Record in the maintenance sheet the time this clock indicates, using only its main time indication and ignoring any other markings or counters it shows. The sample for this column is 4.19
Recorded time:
10.10
